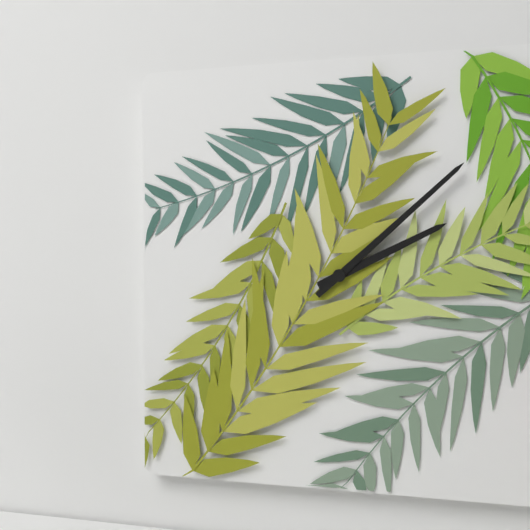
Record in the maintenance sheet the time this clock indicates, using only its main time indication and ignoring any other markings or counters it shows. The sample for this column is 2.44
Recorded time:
2.08
